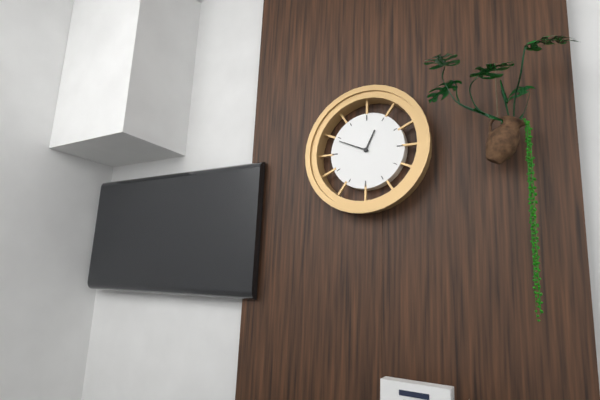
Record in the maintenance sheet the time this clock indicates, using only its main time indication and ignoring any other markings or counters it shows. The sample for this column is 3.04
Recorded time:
12.49
